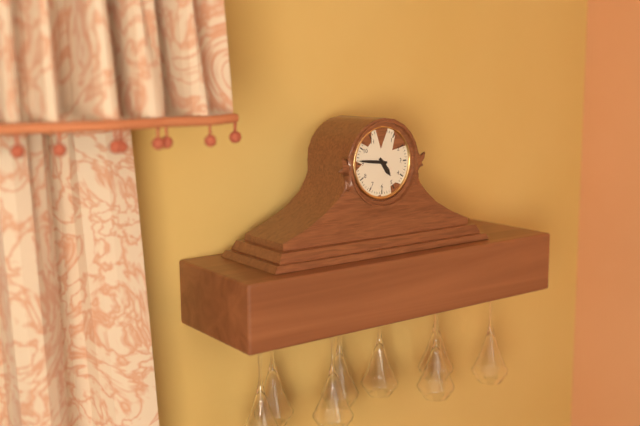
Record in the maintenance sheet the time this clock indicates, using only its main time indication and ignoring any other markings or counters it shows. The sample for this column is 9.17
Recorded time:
4.46
